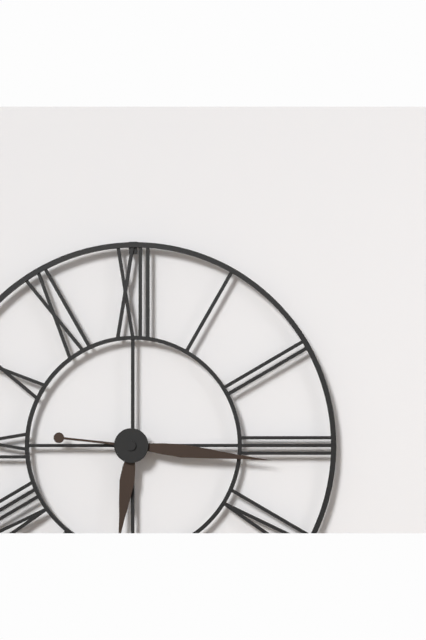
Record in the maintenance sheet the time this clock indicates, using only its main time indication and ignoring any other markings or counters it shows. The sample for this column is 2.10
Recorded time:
6.16
